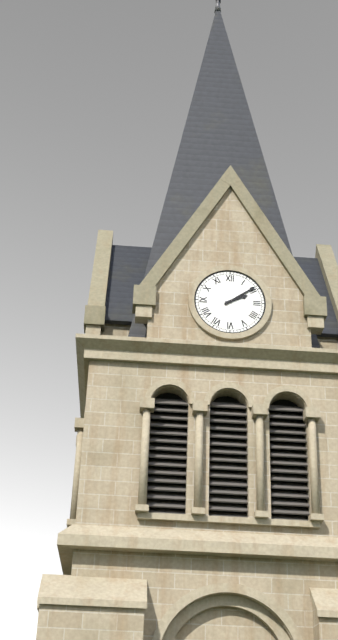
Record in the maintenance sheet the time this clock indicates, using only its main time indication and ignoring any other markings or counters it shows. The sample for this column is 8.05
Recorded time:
2.09
